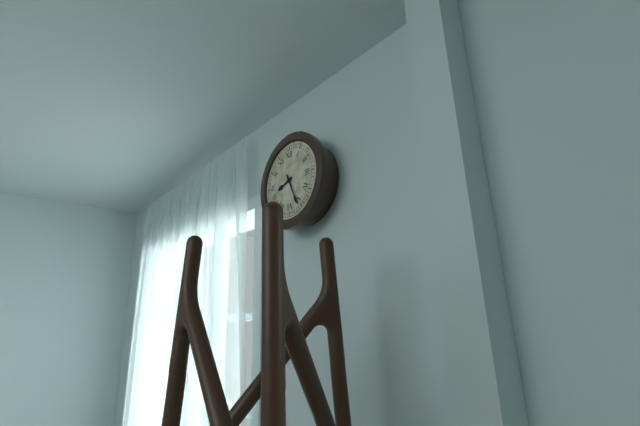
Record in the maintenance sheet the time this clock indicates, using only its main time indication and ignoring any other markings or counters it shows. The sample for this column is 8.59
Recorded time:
8.26
